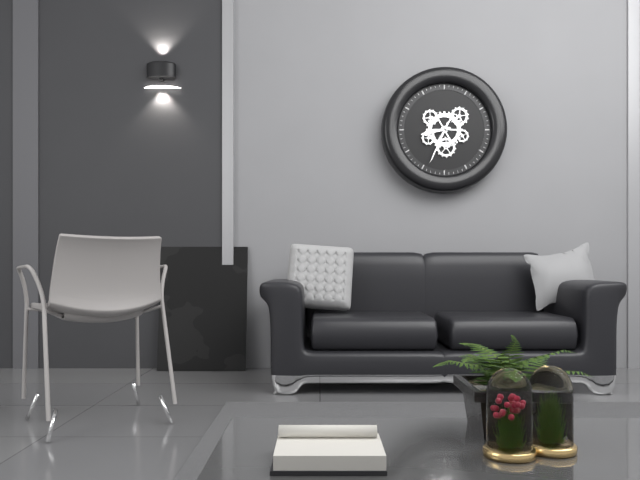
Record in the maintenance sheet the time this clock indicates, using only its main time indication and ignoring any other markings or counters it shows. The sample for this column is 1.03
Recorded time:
8.34
